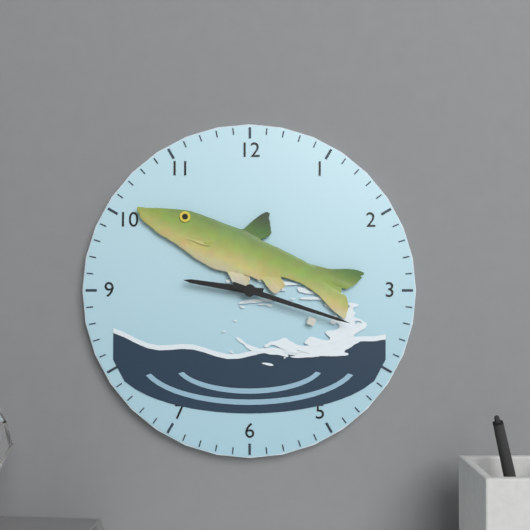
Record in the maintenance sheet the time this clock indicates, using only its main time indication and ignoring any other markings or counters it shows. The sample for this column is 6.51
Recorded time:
9.18
